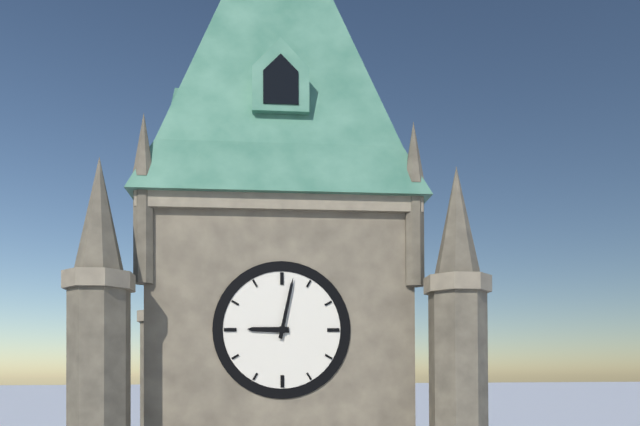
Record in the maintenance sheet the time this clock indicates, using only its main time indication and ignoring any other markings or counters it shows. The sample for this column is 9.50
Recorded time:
9.02
